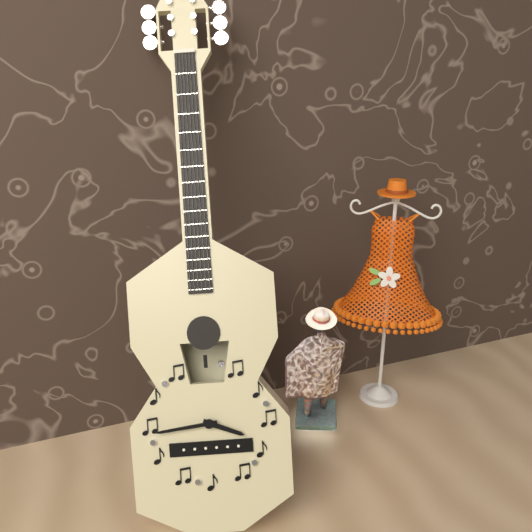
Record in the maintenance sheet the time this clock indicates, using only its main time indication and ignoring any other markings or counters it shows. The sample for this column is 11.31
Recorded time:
3.44
